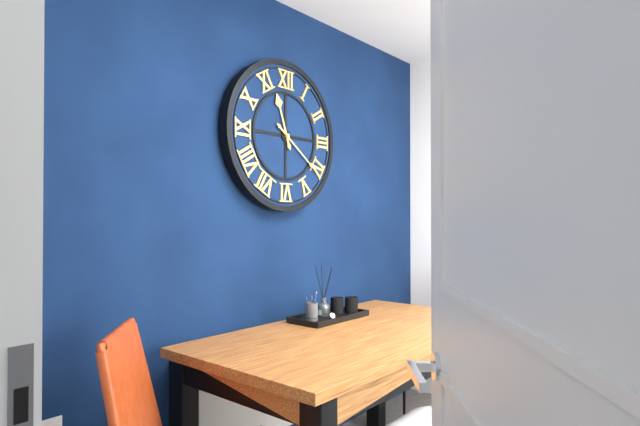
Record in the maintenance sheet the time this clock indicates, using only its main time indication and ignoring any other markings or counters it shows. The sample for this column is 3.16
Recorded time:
11.21
